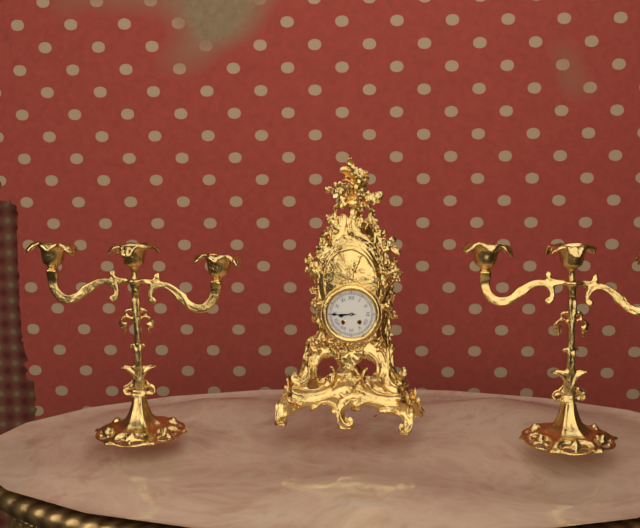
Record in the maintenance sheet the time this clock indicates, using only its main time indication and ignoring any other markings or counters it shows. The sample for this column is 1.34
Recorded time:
8.45
